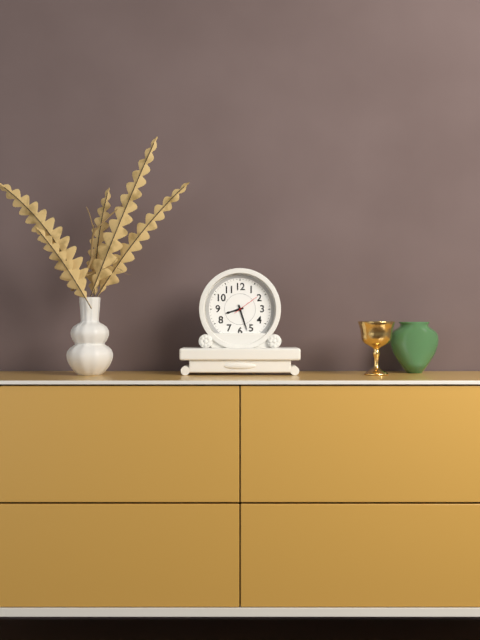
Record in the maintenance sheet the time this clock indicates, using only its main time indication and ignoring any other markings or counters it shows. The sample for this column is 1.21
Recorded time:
8.27
